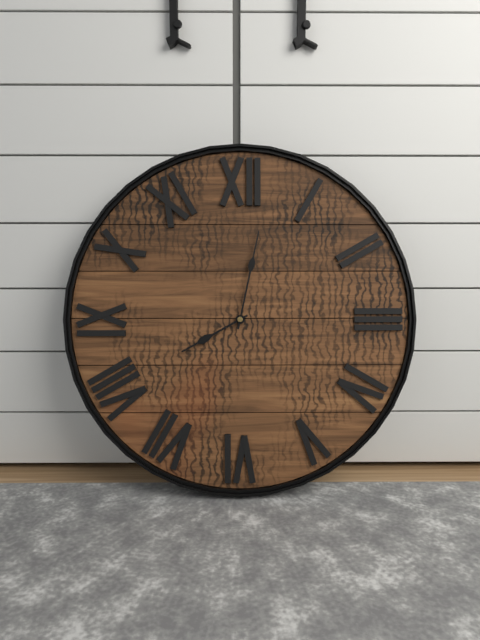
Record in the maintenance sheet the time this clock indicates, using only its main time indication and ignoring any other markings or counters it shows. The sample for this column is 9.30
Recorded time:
8.02
